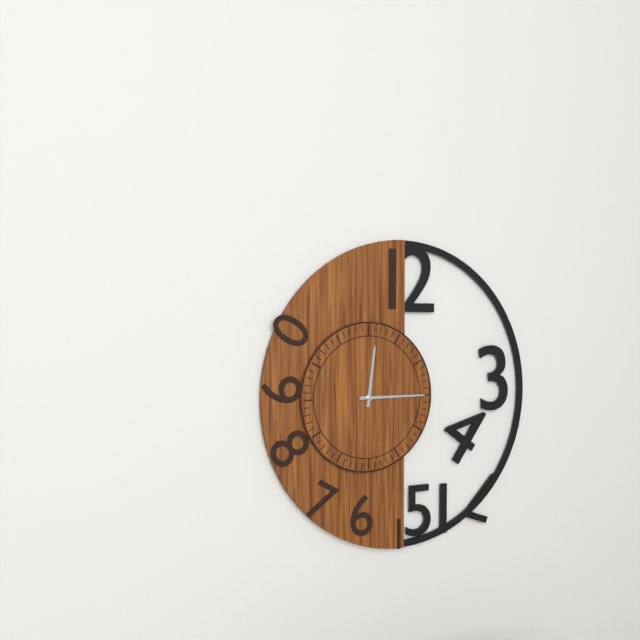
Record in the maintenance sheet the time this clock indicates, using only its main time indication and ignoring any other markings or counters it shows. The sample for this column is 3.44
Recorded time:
12.15
